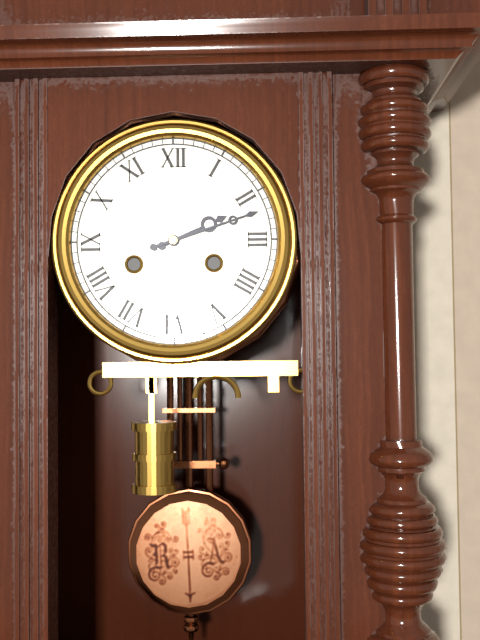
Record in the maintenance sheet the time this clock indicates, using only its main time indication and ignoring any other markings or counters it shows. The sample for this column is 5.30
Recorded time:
2.12
